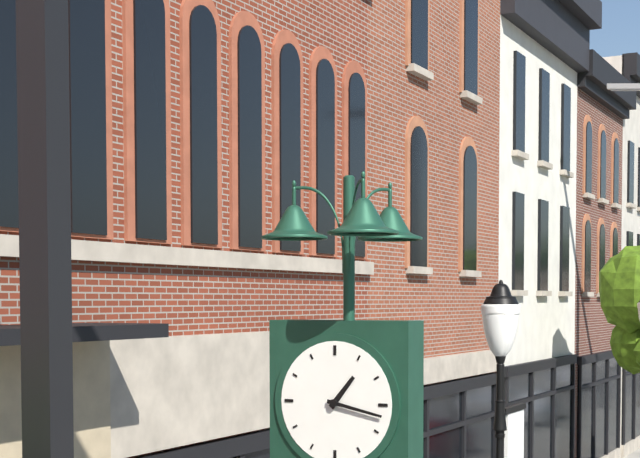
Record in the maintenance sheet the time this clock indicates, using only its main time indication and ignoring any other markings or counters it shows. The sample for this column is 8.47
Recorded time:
1.17
